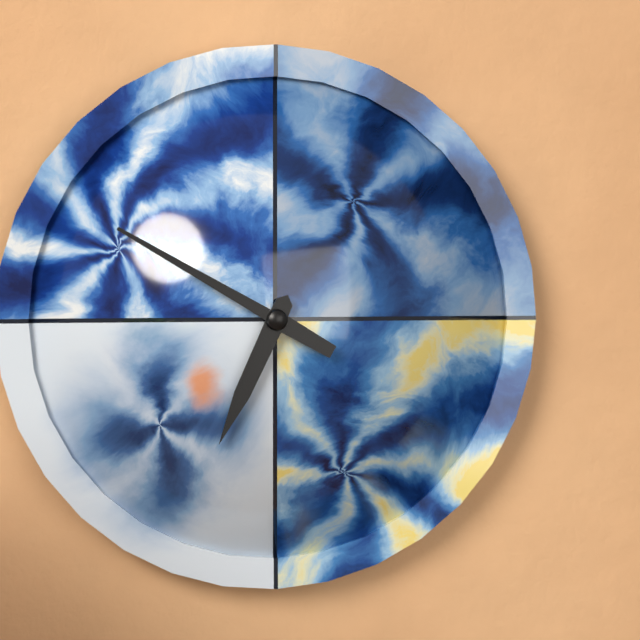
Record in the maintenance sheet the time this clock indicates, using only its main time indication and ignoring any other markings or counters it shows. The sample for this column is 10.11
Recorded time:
6.50
